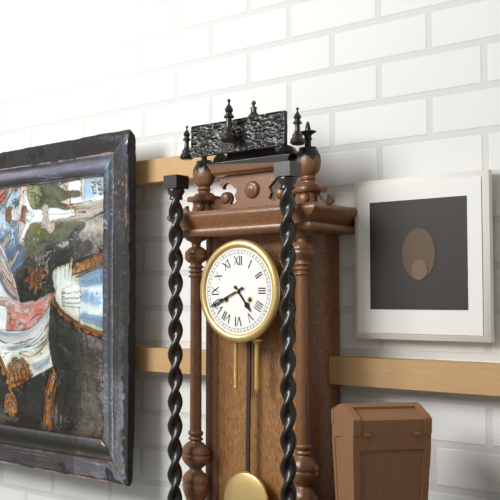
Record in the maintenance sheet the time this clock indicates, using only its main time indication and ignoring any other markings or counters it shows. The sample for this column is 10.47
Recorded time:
4.41
